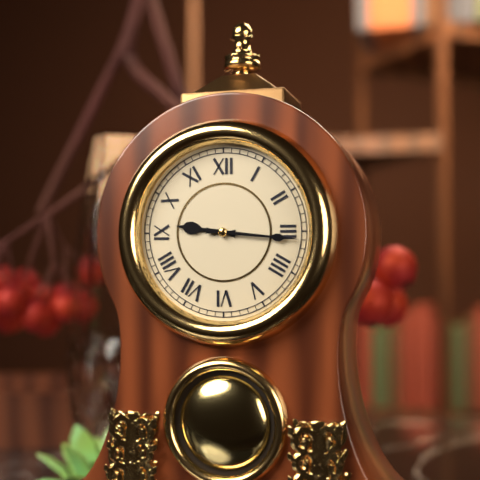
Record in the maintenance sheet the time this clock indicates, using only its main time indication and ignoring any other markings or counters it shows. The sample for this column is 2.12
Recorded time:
9.16
